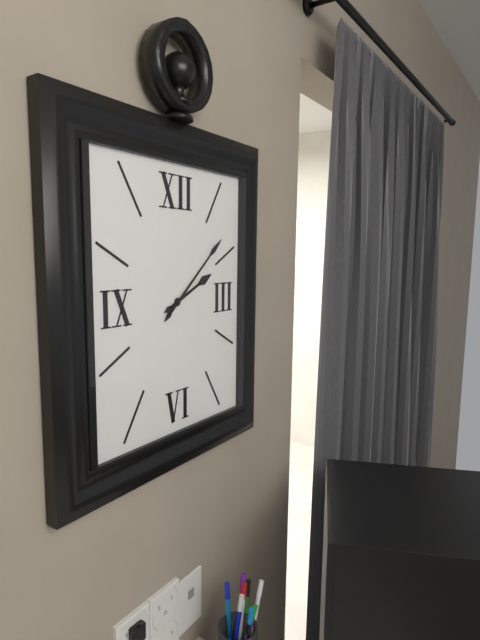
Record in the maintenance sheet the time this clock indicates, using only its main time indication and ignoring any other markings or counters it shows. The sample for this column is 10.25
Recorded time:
2.08
